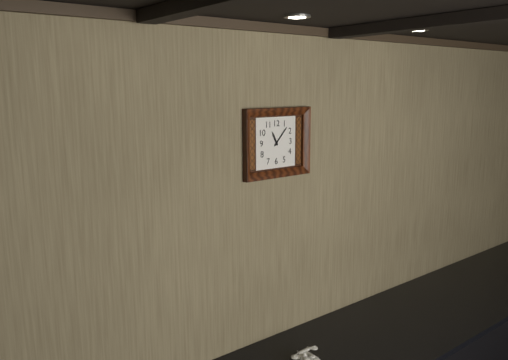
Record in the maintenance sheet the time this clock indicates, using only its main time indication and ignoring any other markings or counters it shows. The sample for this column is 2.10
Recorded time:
11.07
